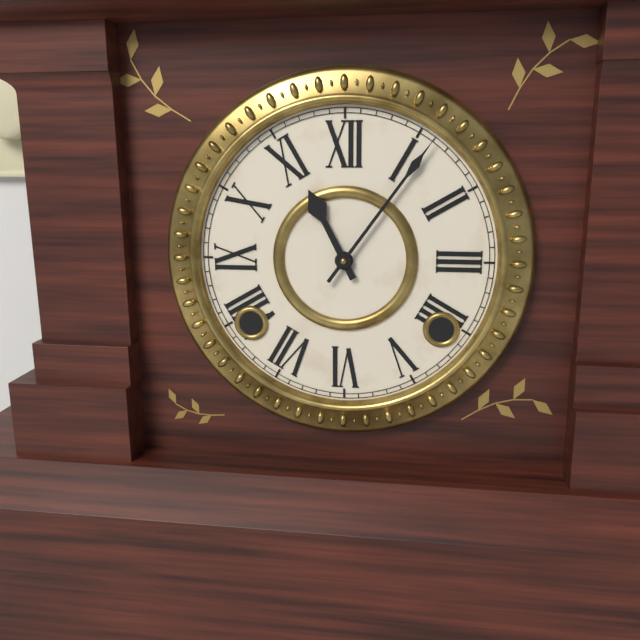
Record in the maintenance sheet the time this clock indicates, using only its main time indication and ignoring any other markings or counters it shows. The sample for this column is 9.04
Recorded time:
11.06
